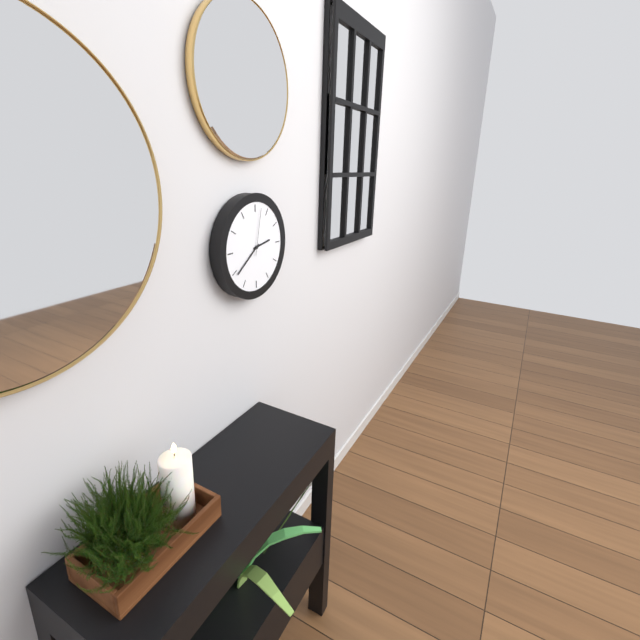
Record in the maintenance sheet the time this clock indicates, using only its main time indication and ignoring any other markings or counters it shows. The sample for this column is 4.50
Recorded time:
2.39
